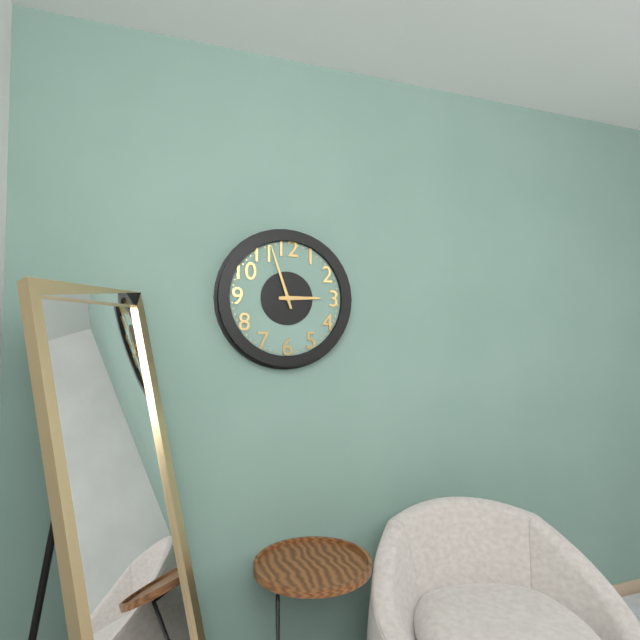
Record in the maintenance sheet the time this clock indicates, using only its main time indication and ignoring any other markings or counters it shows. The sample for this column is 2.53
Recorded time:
2.57
